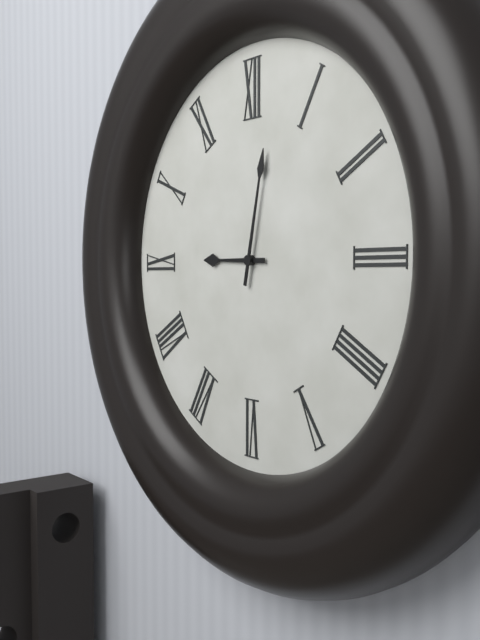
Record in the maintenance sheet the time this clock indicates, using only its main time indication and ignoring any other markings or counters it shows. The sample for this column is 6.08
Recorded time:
9.02
